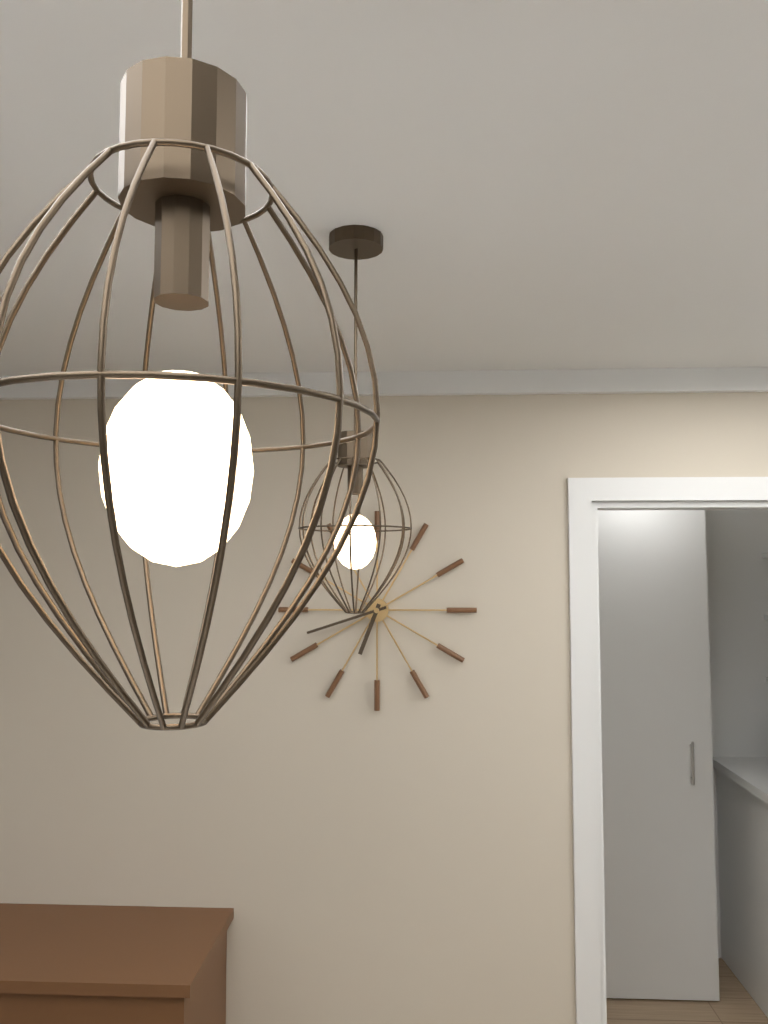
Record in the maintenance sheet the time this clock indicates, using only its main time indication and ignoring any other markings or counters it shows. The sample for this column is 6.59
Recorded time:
6.42
